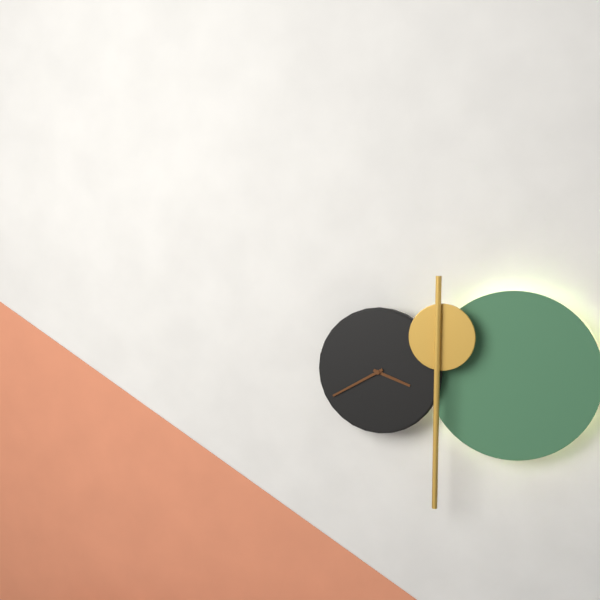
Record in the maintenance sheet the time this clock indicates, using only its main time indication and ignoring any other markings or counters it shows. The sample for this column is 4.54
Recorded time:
3.40
